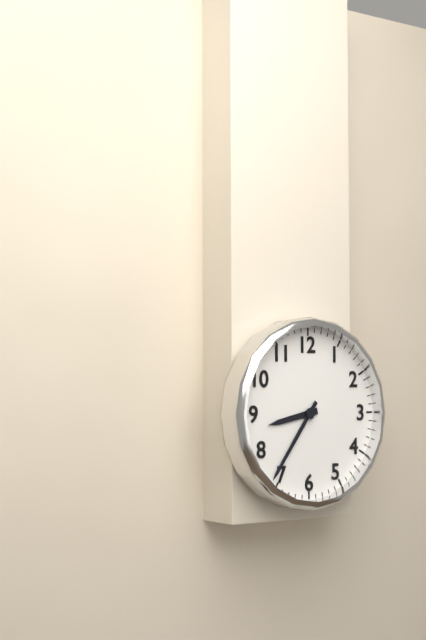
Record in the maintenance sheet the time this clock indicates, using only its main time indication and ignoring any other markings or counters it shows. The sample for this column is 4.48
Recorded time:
8.36
